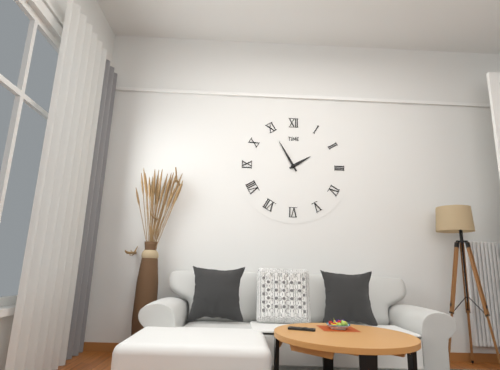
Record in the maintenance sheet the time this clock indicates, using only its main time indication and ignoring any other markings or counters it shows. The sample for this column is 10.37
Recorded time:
1.55
